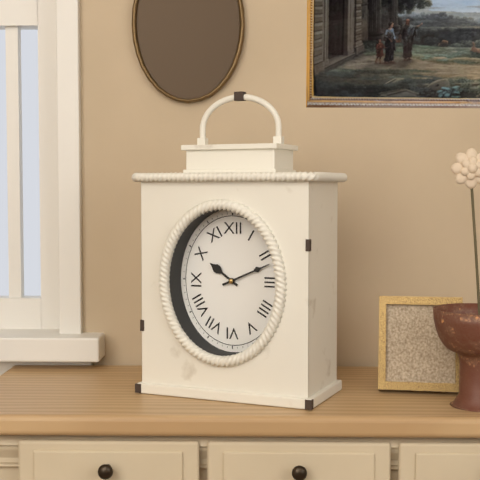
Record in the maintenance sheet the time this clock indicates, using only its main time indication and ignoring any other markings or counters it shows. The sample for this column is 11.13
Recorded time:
10.11
